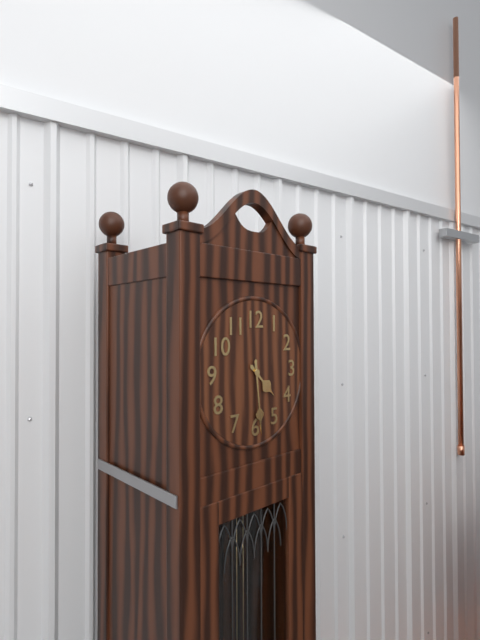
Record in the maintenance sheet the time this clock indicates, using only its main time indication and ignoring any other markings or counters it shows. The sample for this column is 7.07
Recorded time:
4.29
